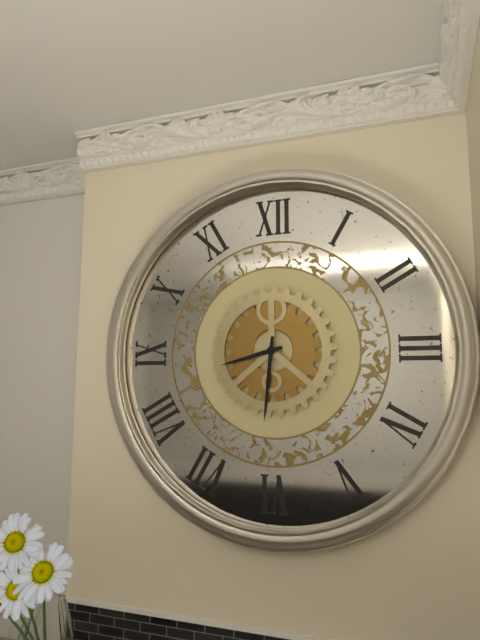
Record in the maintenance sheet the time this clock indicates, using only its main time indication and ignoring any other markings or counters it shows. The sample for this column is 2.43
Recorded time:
8.31
